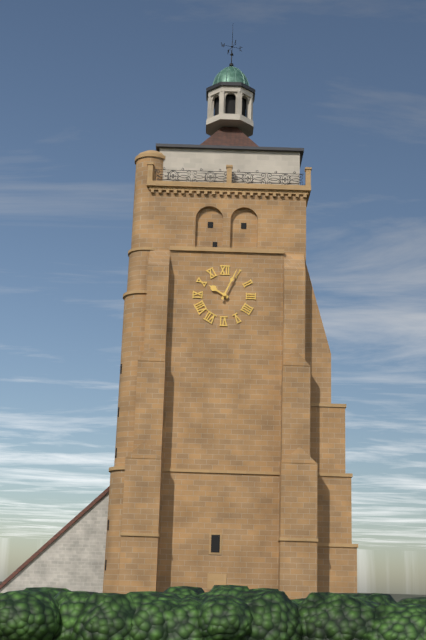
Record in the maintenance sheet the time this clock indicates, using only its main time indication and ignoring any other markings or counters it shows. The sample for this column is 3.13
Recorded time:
10.04
